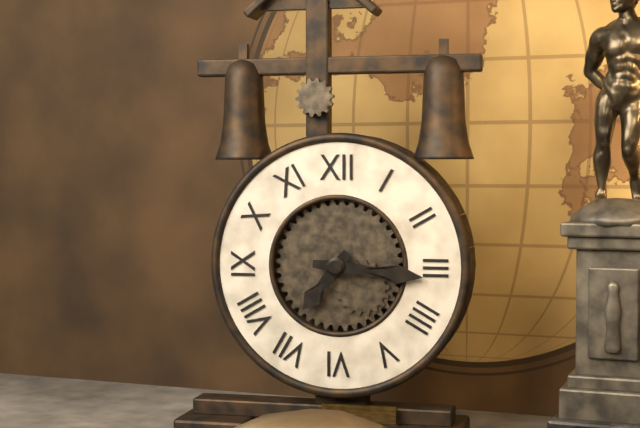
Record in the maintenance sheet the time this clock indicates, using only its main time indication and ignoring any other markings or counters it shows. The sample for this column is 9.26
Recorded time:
7.16
